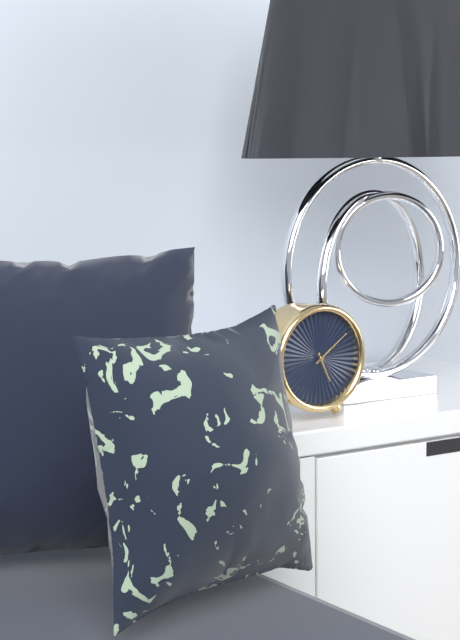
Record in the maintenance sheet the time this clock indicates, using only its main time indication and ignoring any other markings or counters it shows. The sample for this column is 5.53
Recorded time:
5.09
